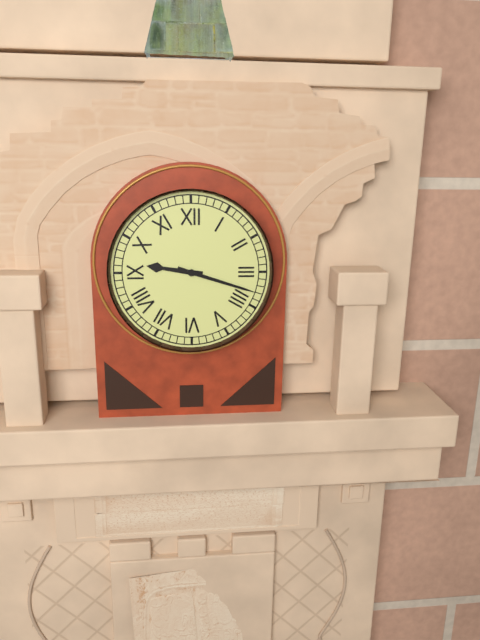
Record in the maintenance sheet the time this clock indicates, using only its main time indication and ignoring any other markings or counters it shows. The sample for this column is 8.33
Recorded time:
9.18
